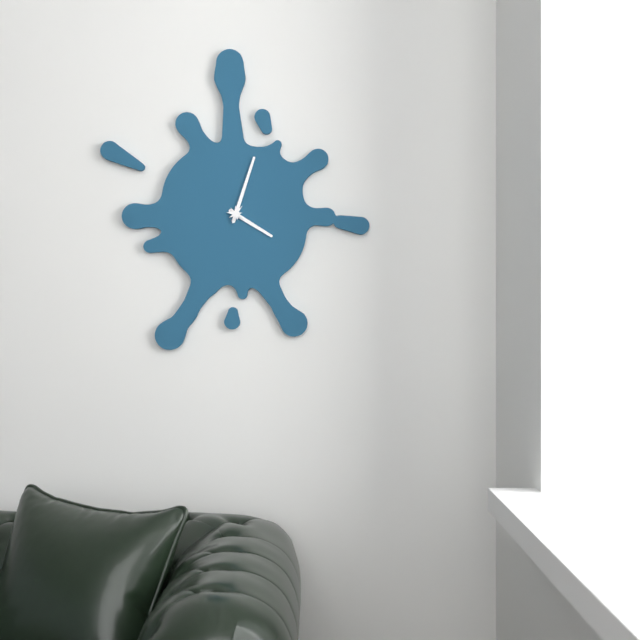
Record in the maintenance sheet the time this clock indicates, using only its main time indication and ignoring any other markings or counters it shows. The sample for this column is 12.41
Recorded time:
4.03
